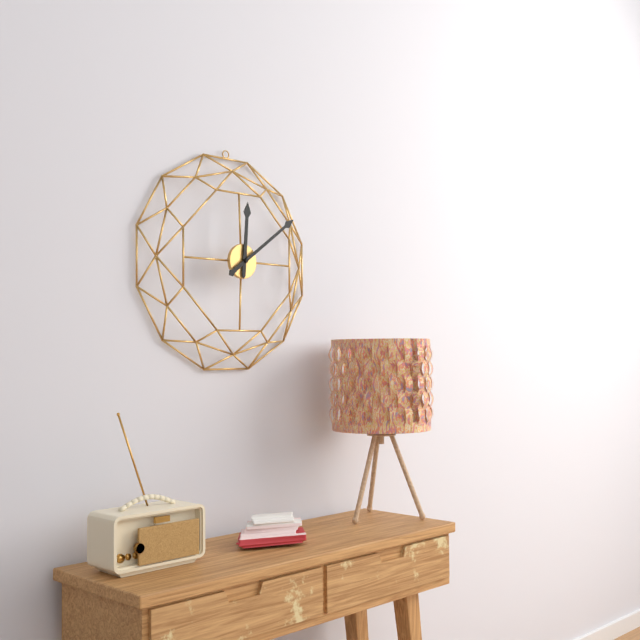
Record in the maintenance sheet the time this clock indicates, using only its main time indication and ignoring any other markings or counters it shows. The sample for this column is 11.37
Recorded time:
12.09
